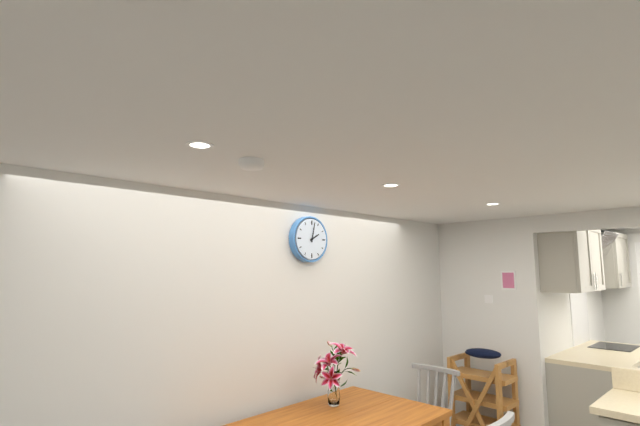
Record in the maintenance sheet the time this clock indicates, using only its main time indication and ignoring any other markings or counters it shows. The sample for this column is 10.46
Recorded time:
2.02
